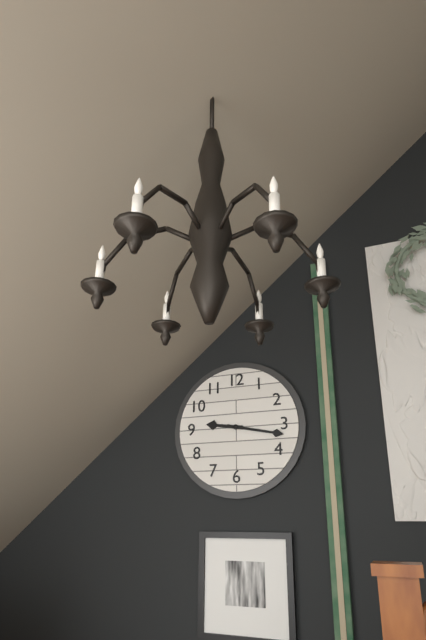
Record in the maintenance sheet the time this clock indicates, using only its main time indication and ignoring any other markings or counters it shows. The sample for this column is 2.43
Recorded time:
9.17
